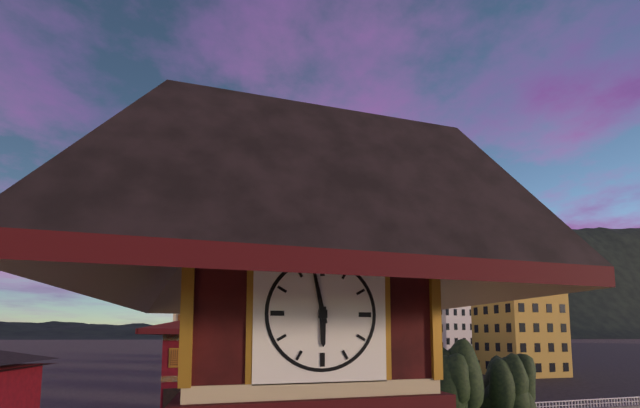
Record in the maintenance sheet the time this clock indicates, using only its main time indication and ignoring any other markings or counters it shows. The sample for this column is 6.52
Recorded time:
5.58
